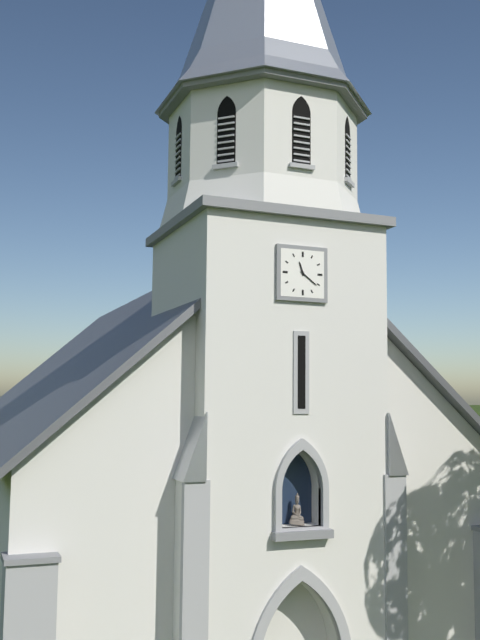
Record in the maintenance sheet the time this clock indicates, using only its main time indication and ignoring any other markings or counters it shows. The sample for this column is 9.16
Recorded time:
11.21
